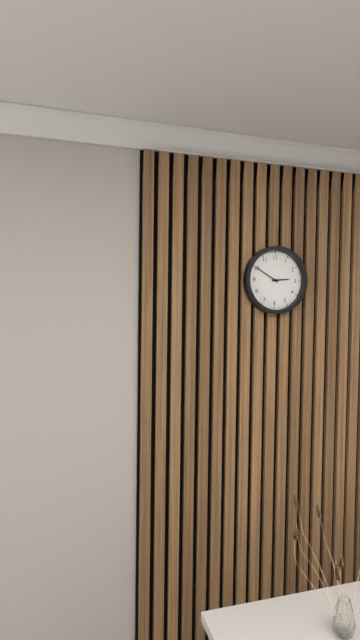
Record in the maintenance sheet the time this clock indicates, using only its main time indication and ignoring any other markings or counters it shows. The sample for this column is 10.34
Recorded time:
2.50
